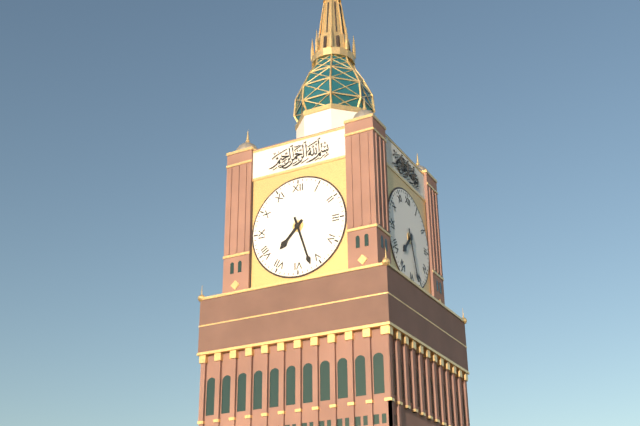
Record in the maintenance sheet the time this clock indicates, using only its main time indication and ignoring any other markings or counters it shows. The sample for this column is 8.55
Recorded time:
7.27
